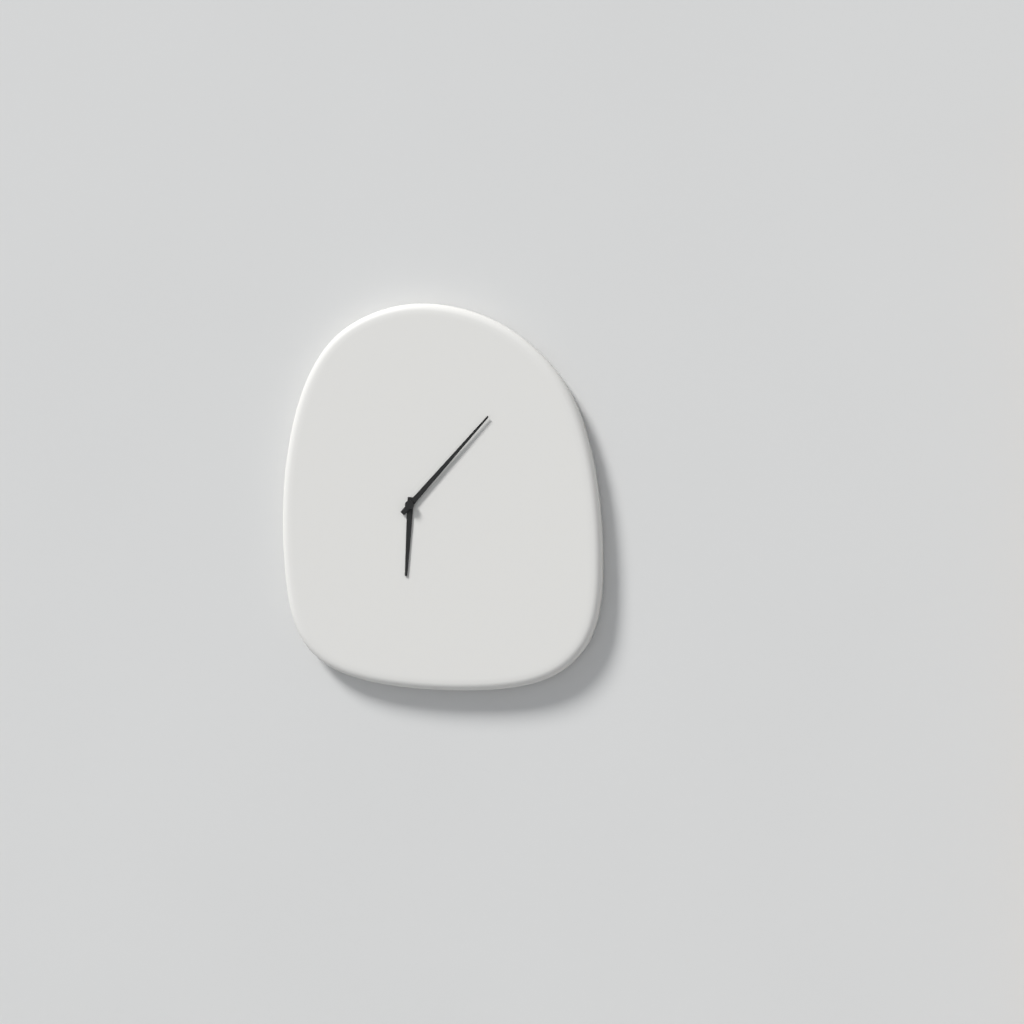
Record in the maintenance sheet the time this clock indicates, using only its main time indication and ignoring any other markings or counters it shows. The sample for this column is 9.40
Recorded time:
6.07
